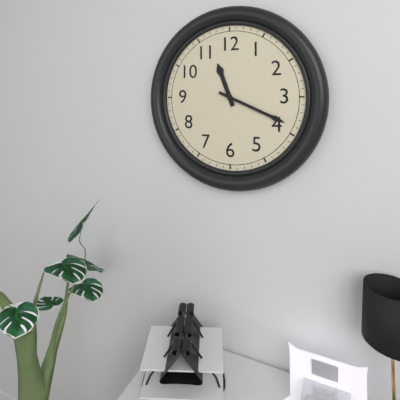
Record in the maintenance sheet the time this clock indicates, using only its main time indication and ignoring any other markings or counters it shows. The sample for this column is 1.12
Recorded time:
11.19
